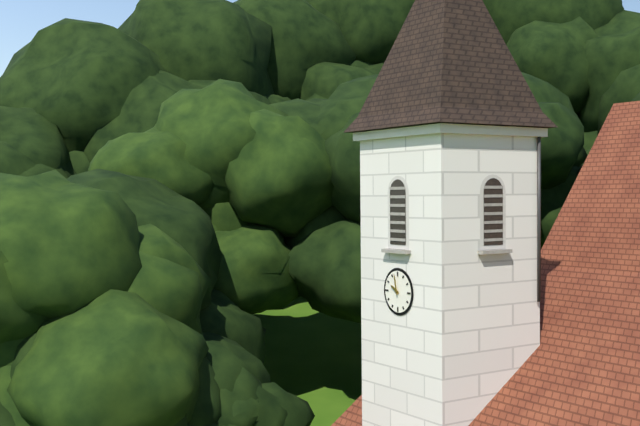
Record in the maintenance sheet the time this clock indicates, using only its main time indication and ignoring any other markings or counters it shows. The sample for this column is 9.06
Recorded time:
9.58
